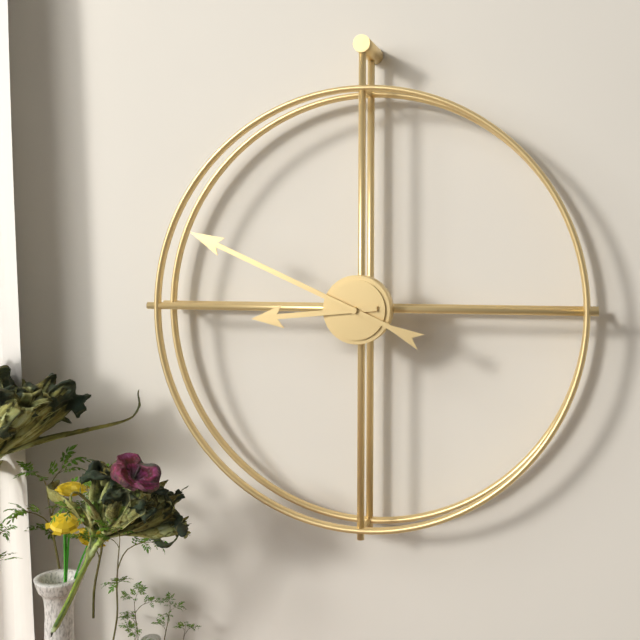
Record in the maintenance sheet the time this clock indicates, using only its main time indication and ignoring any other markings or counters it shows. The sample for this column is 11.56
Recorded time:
8.49
